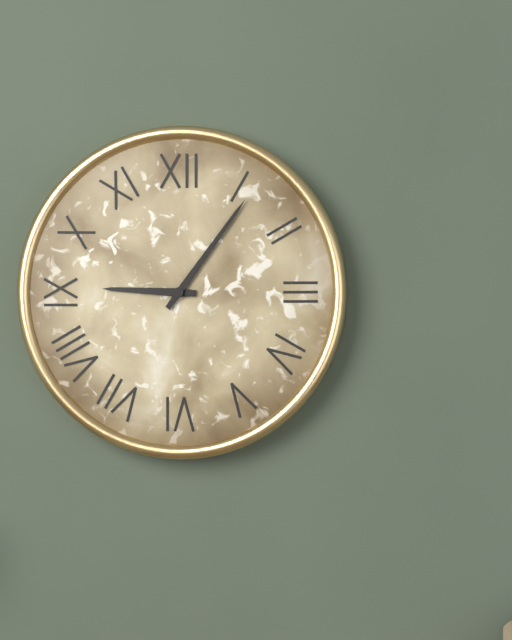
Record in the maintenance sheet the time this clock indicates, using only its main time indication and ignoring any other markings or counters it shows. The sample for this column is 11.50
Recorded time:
9.06
